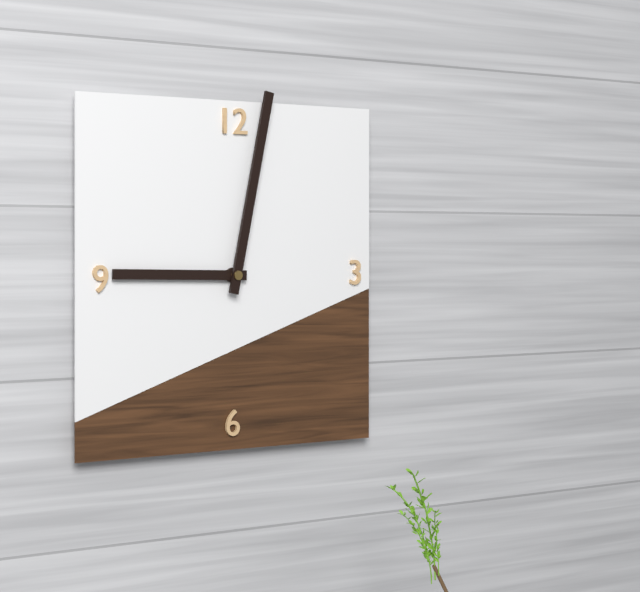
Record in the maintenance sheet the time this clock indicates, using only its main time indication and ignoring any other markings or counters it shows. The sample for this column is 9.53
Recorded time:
9.02
